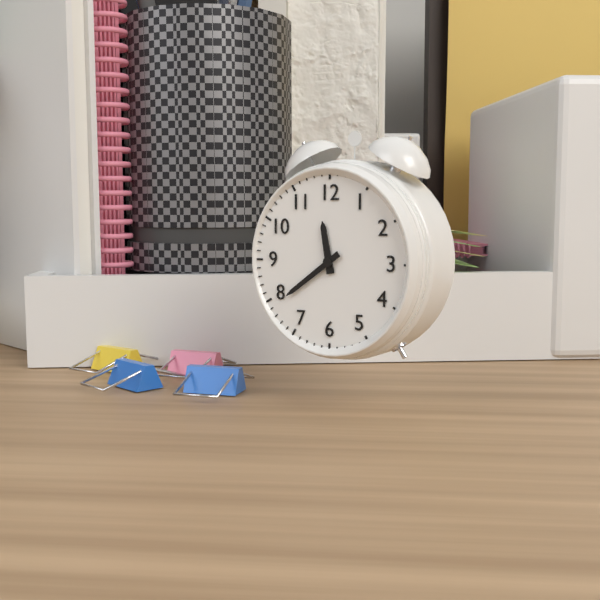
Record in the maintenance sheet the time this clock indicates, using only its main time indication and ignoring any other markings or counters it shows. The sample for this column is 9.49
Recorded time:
11.39
